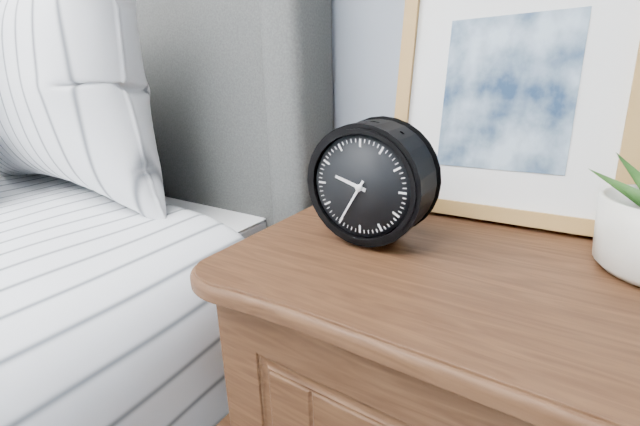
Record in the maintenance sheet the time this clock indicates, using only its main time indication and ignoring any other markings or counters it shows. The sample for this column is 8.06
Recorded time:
9.35
